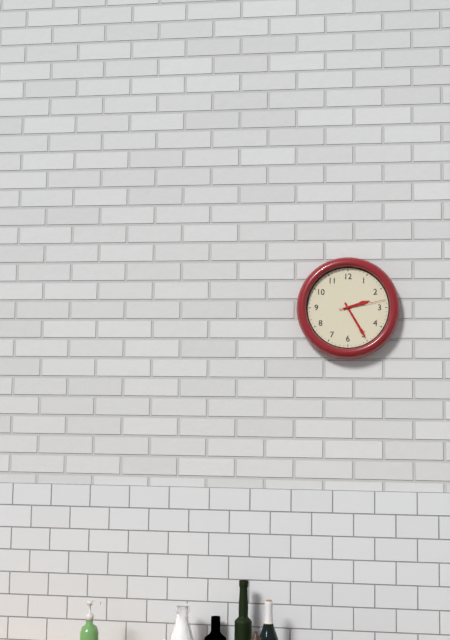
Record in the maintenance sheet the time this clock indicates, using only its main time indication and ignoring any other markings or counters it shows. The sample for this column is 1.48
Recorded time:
2.25
